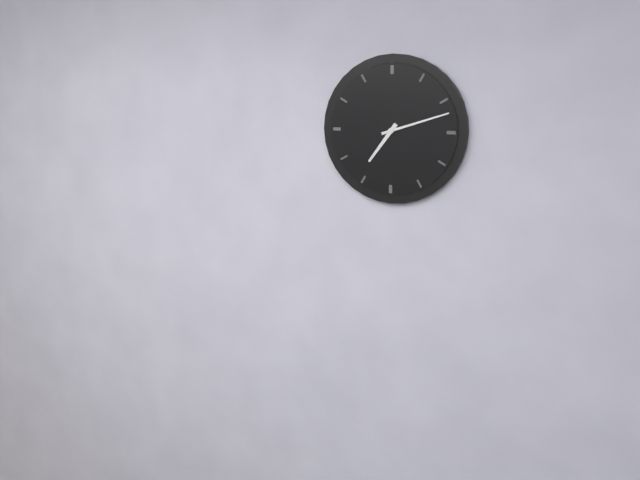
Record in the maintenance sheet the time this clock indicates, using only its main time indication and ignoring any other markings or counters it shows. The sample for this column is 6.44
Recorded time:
7.12
